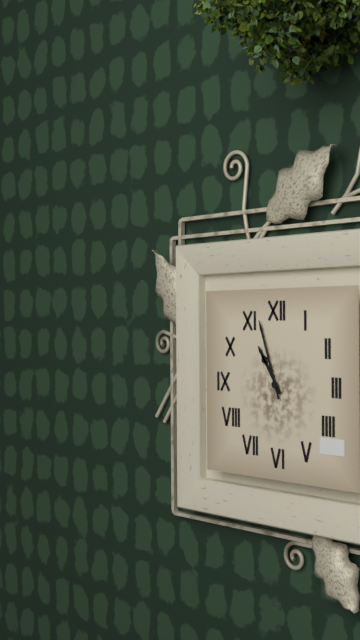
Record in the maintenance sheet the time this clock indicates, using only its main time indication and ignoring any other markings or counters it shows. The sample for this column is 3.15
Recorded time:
10.57
